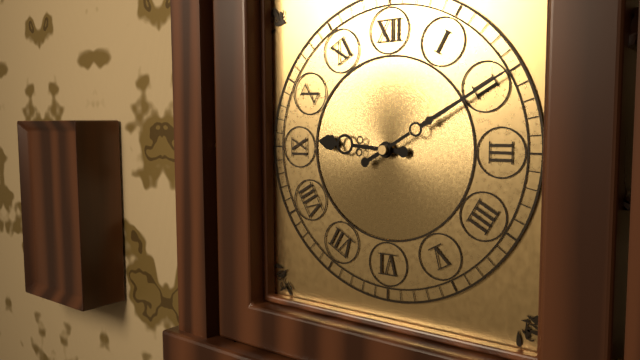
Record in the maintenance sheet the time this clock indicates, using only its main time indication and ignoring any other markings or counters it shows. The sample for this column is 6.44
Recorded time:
9.10
